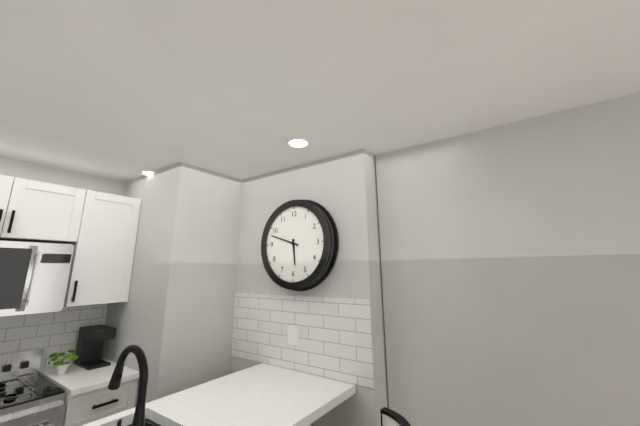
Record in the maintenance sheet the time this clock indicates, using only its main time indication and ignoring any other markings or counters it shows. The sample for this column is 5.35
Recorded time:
5.48
